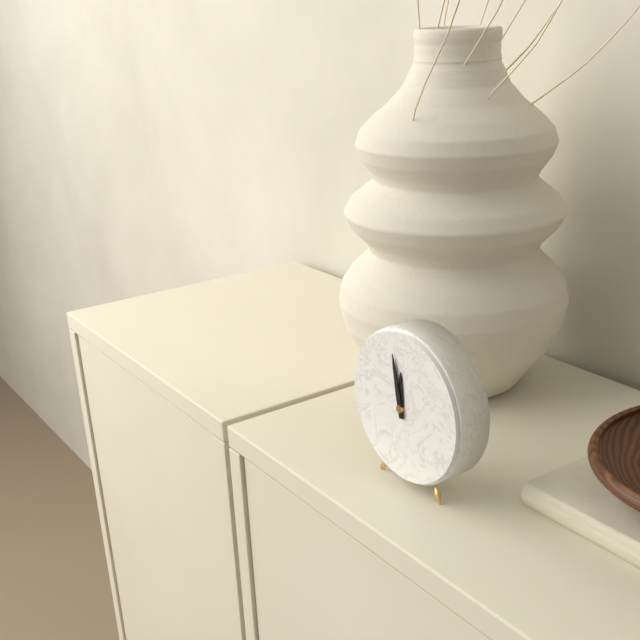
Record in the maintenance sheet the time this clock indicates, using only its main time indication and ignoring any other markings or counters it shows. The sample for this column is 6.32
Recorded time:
11.58
